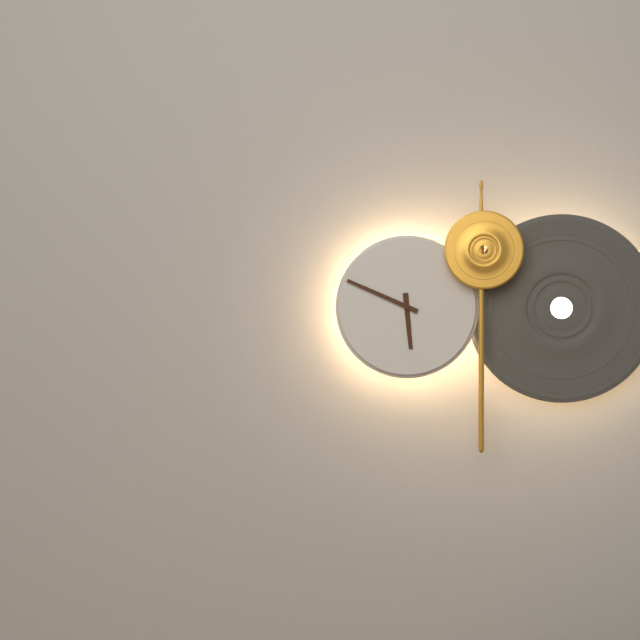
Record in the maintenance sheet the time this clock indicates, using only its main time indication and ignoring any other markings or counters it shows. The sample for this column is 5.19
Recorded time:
5.49
